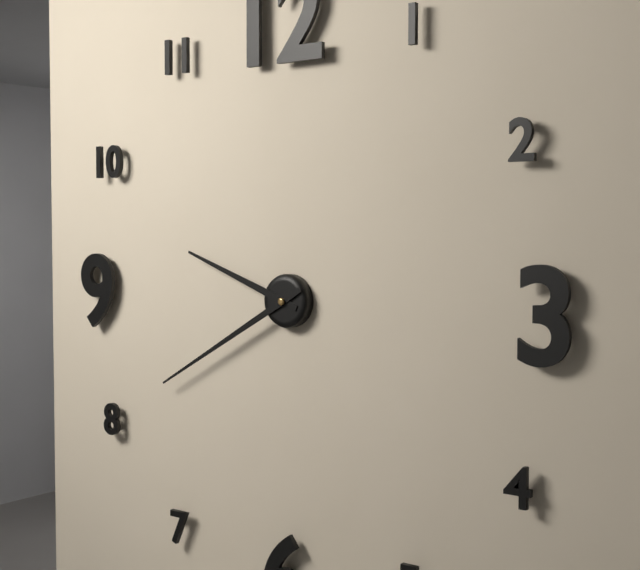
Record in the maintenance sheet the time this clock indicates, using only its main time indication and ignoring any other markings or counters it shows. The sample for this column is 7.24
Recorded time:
9.40
